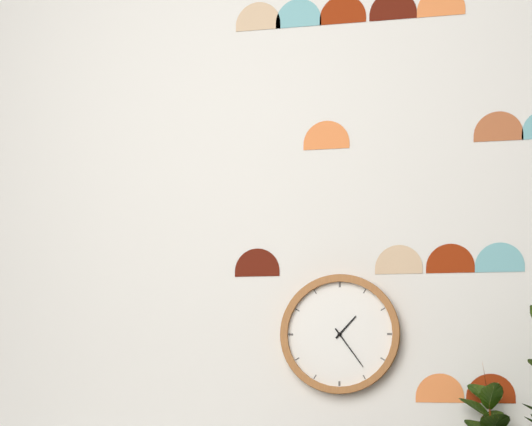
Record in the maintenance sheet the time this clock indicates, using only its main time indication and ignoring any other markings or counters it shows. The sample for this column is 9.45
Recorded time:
1.24
